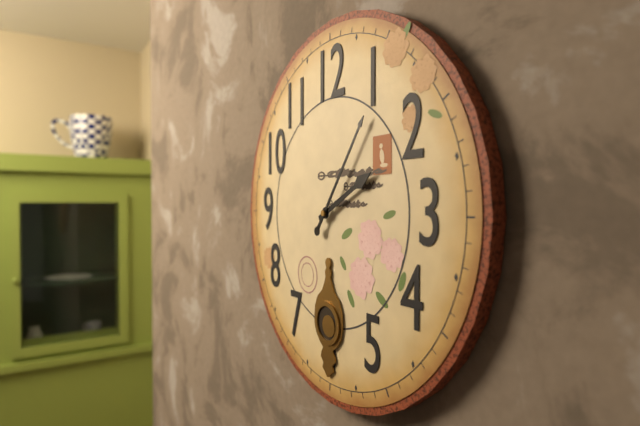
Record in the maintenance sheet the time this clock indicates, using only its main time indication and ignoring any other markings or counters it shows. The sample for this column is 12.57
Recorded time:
2.06
